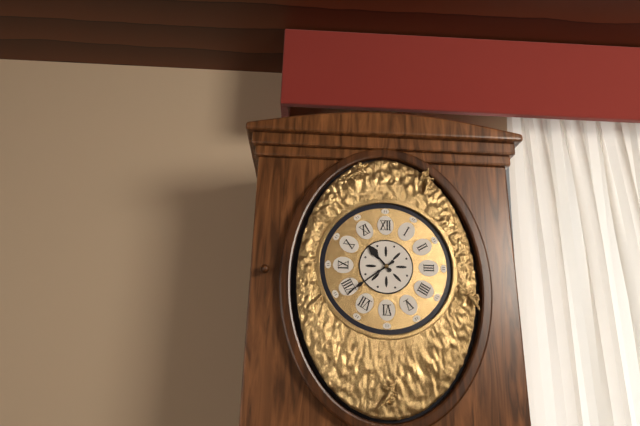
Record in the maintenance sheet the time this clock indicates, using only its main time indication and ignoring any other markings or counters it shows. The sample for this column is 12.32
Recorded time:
10.39
